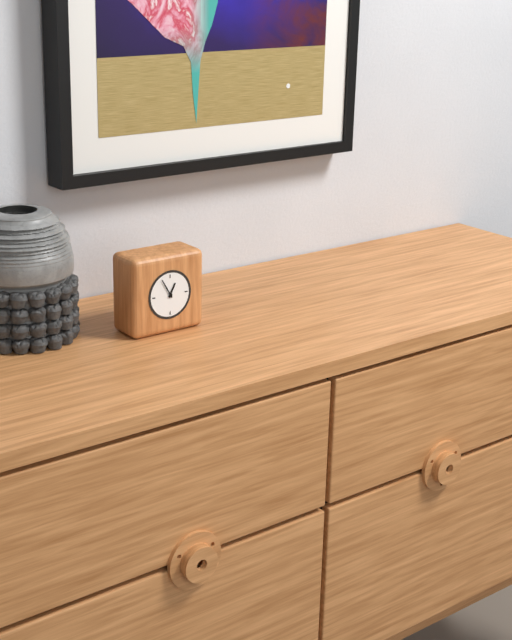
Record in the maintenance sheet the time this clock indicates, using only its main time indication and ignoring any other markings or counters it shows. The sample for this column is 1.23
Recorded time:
12.55
